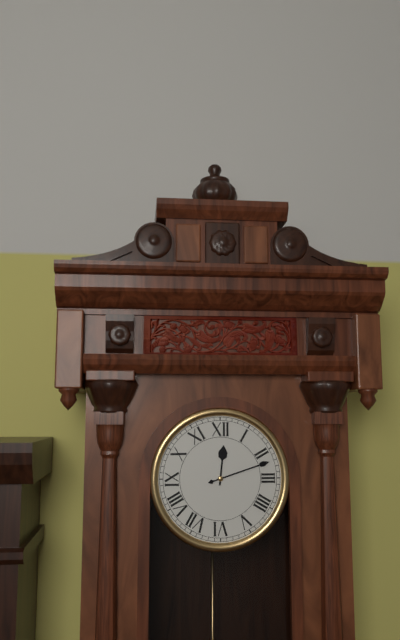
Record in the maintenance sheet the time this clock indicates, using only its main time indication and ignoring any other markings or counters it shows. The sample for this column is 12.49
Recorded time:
12.12
